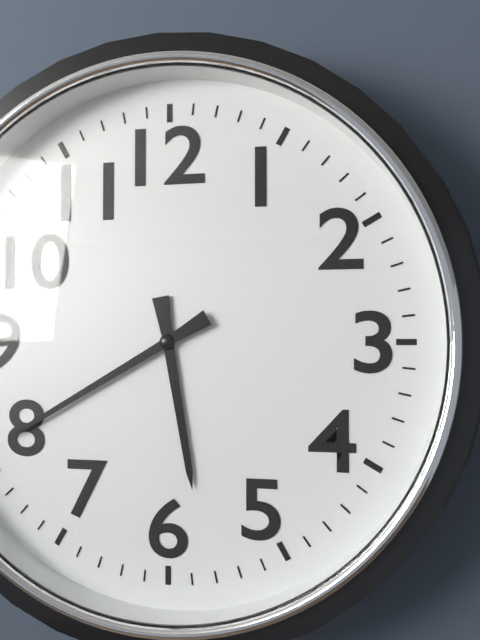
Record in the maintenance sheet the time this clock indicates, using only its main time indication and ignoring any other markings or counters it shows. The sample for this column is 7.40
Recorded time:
5.40
